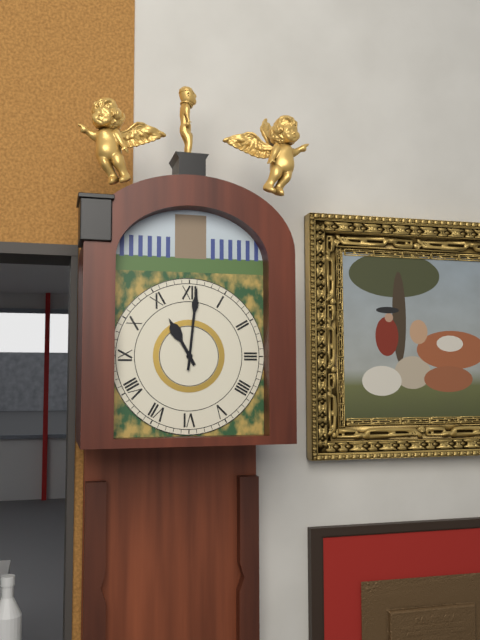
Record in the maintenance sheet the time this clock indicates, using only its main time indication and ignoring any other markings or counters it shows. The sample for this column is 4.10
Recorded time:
11.01
